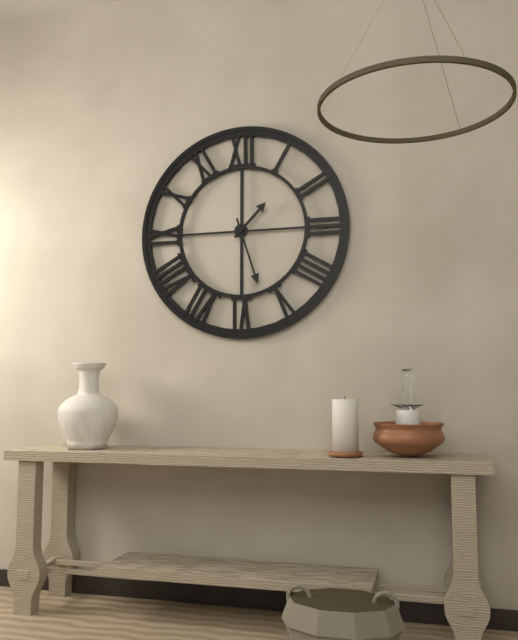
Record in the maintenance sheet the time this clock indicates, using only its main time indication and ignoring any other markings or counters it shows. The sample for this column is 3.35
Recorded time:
1.27
